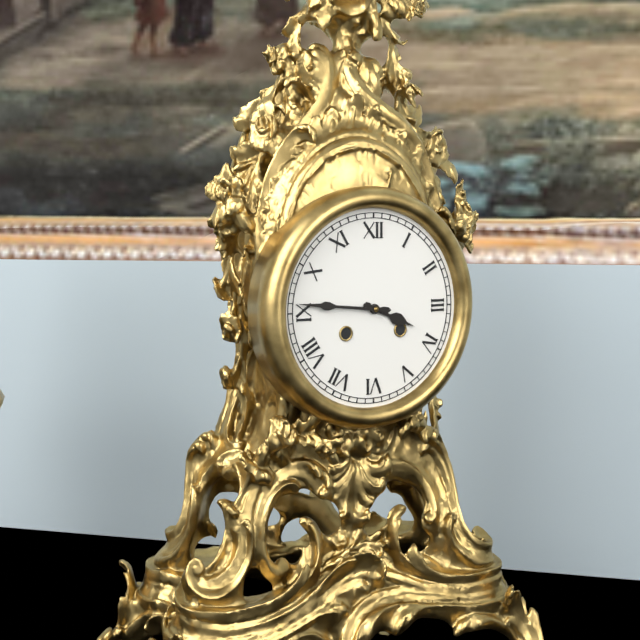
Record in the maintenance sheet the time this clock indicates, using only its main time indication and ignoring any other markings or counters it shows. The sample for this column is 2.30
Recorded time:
3.46
